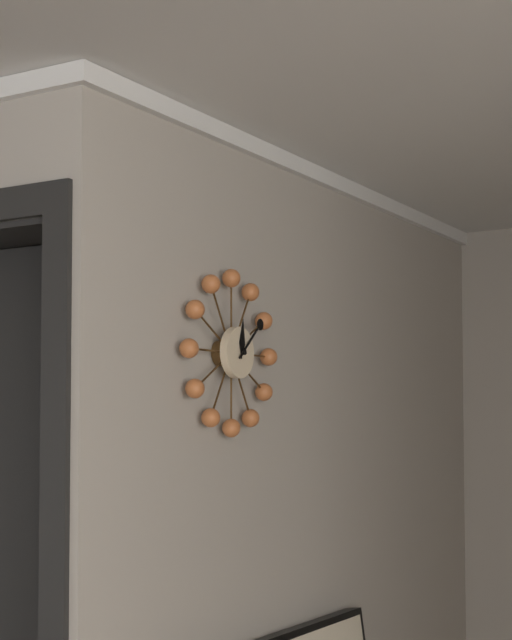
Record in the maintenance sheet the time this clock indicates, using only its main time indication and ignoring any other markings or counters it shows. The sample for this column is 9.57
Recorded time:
12.08
